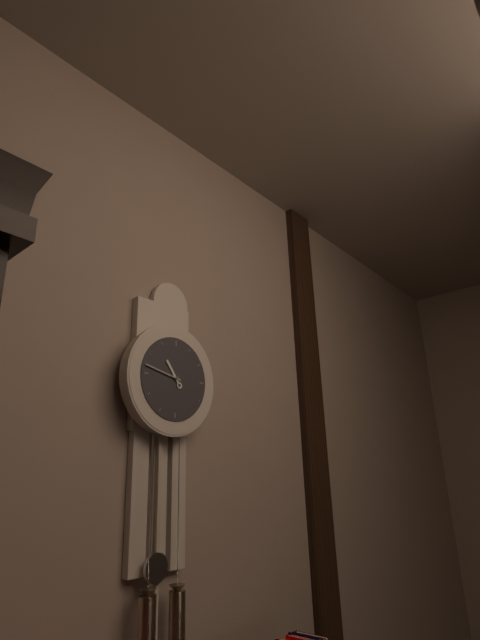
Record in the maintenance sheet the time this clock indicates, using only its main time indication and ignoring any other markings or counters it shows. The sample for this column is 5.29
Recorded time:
10.47
